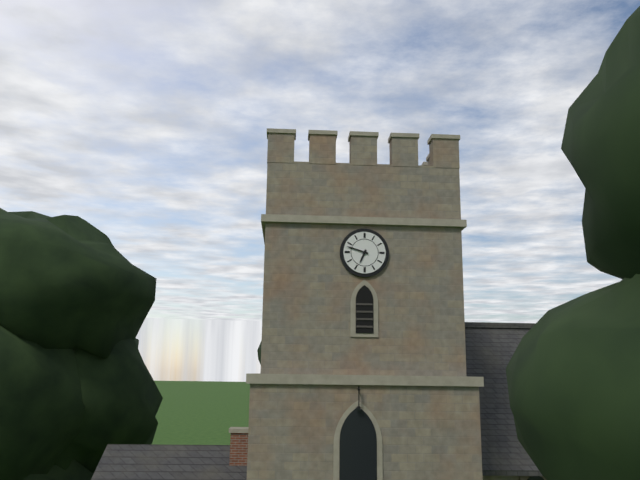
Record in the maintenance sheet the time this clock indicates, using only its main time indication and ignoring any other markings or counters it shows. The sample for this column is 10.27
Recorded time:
6.48
